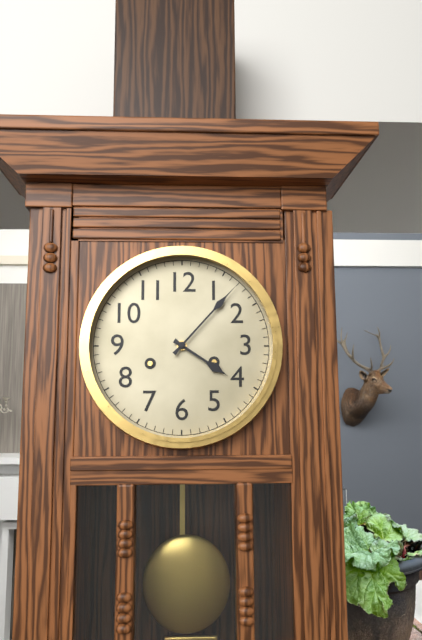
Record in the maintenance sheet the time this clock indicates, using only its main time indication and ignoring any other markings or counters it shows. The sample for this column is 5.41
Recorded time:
4.07
